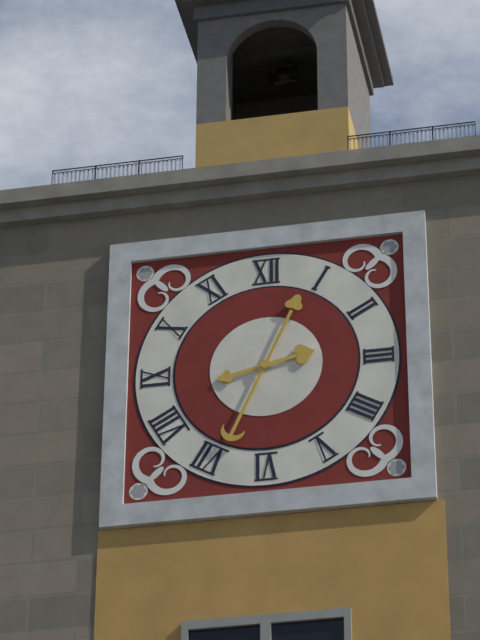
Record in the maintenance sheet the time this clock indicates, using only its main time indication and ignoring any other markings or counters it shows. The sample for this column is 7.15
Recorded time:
2.34
